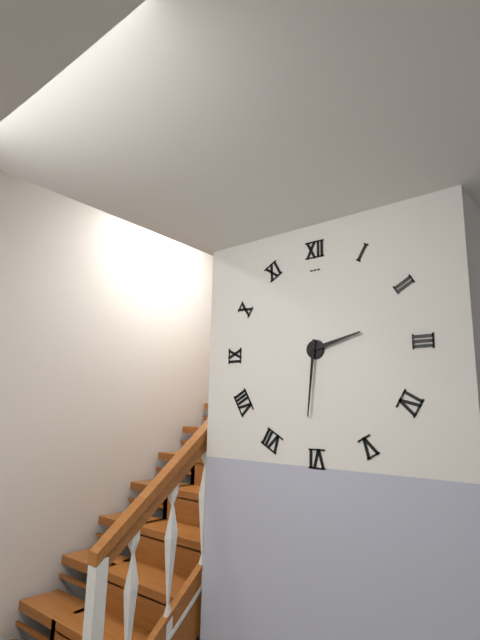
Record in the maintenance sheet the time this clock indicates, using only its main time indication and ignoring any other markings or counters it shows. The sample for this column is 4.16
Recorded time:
2.31
